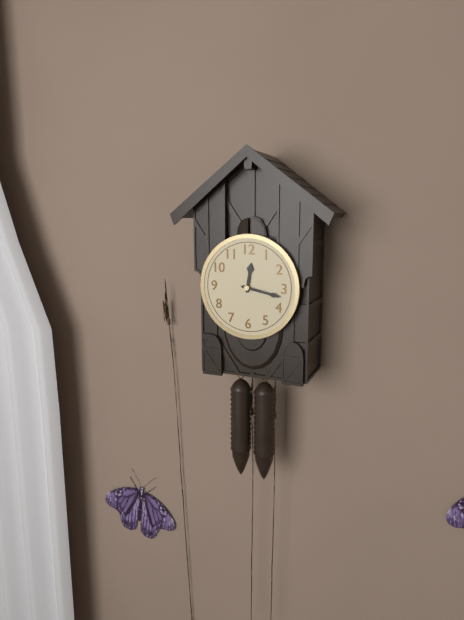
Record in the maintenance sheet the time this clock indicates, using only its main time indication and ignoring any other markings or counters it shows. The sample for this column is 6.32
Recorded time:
12.17
